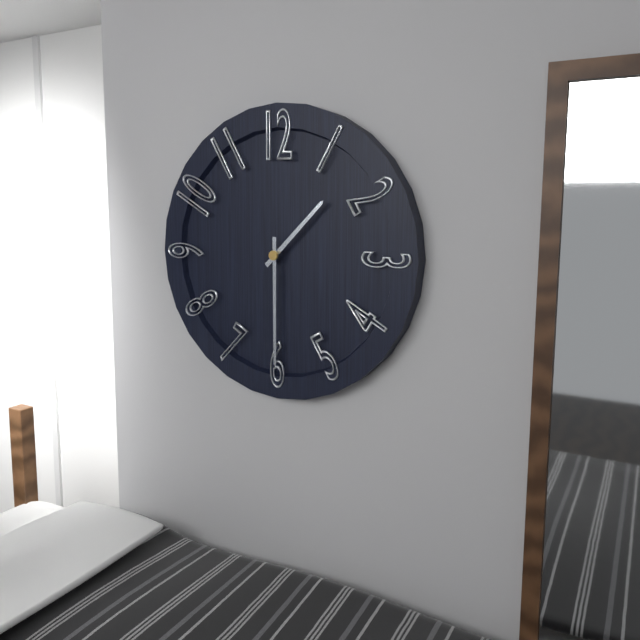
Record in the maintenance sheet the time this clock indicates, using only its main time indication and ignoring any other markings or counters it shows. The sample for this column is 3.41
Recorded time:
1.30
